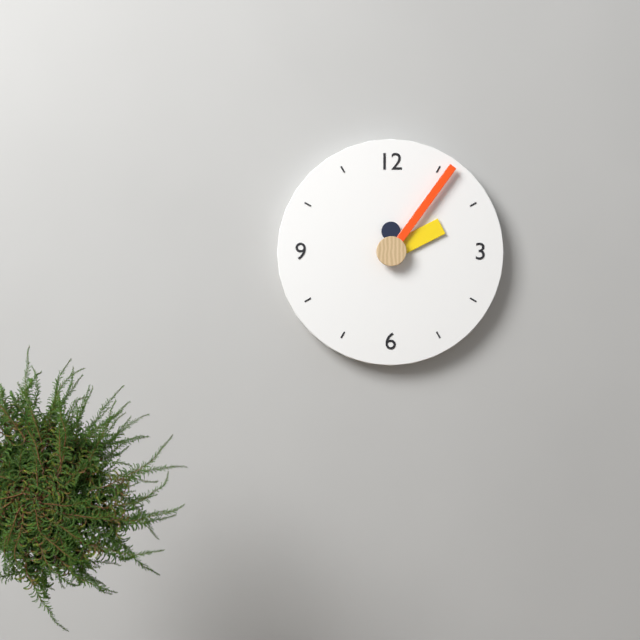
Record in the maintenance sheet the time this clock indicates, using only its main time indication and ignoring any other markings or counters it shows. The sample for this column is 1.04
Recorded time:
2.06
